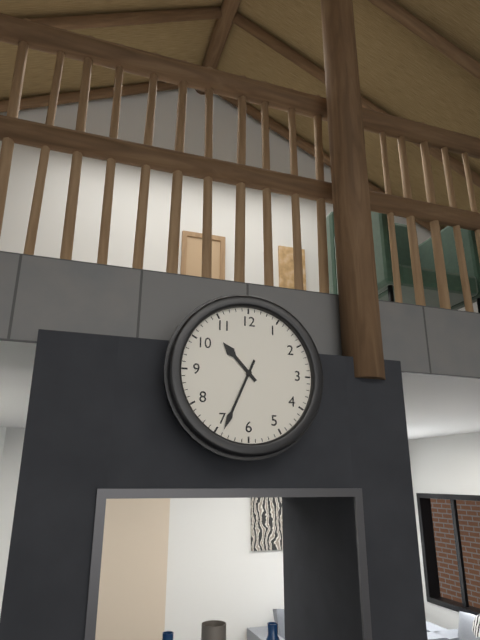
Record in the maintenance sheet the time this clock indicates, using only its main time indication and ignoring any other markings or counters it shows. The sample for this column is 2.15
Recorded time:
10.34
